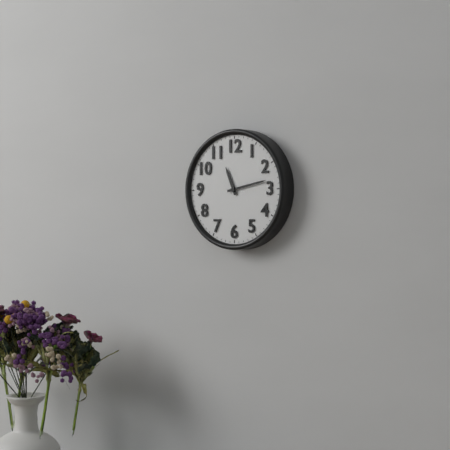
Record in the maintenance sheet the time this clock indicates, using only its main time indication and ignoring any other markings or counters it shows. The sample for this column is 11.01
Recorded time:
11.13
